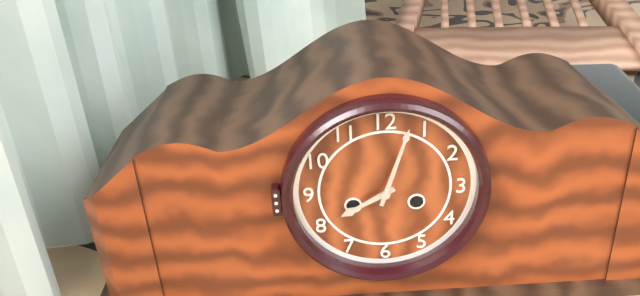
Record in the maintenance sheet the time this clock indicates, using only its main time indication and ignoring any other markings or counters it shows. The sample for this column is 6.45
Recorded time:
8.03
